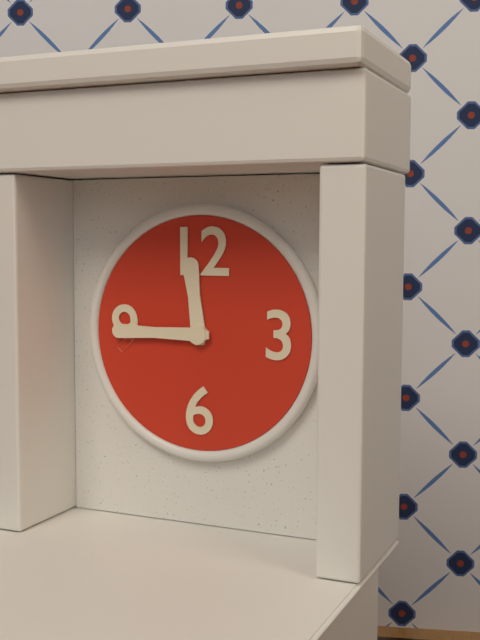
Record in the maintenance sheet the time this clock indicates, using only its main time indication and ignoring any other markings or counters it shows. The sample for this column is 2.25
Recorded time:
11.45
